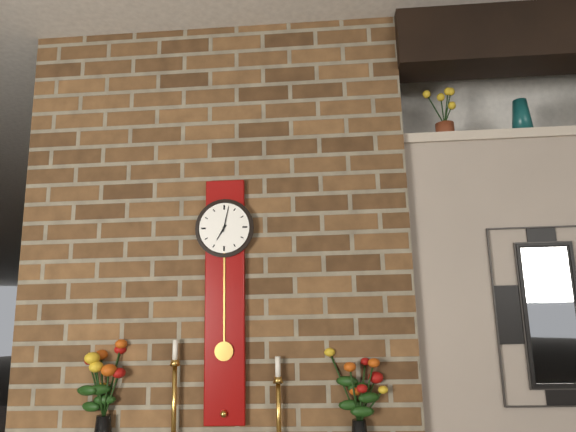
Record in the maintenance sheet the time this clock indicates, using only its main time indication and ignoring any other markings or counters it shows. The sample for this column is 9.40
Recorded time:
7.02
